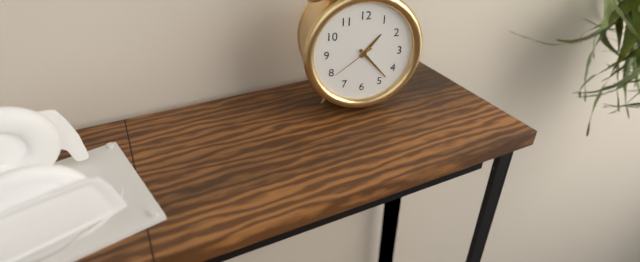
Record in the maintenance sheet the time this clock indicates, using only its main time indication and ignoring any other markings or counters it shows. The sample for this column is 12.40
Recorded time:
1.23
